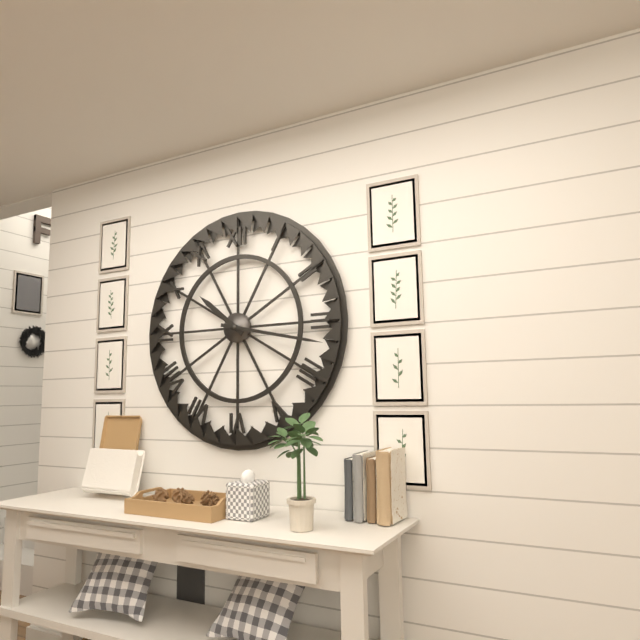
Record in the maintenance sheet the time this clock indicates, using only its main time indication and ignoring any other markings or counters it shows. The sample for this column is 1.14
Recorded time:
10.17
